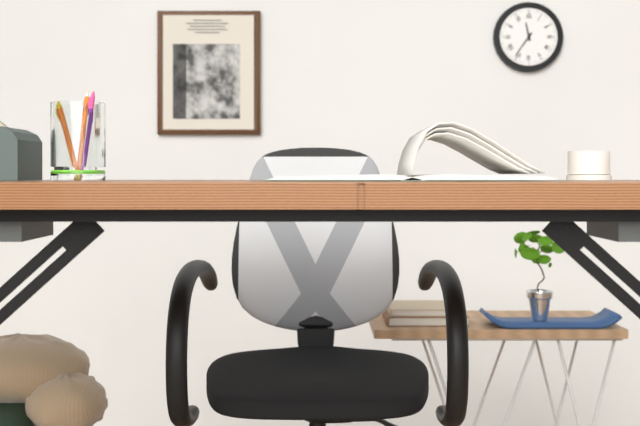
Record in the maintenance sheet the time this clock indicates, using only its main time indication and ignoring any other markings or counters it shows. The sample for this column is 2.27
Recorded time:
11.36
